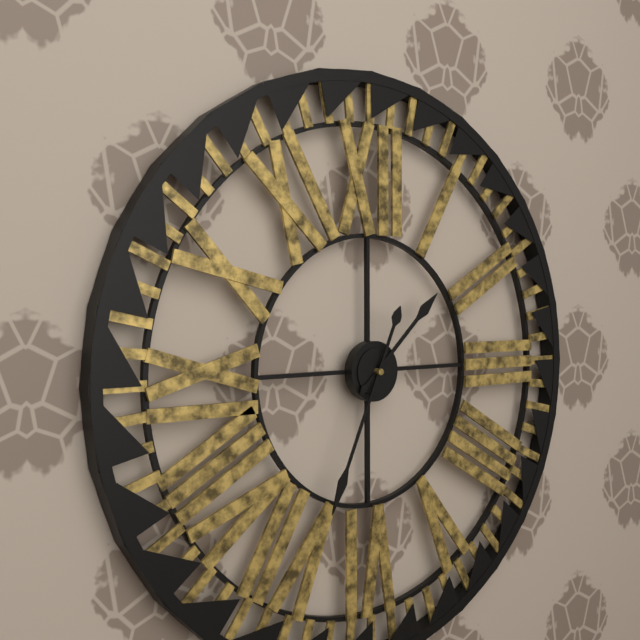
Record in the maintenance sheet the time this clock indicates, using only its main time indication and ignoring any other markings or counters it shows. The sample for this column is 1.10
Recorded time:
1.34
